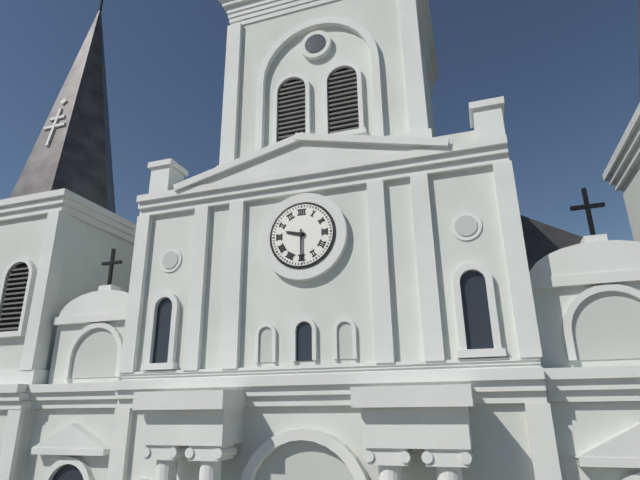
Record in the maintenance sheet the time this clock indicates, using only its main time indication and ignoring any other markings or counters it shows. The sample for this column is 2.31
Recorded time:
9.30
